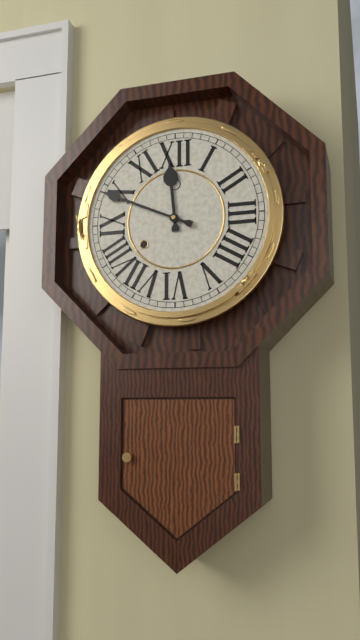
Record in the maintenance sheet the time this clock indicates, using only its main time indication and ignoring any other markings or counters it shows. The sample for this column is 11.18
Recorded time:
11.49
